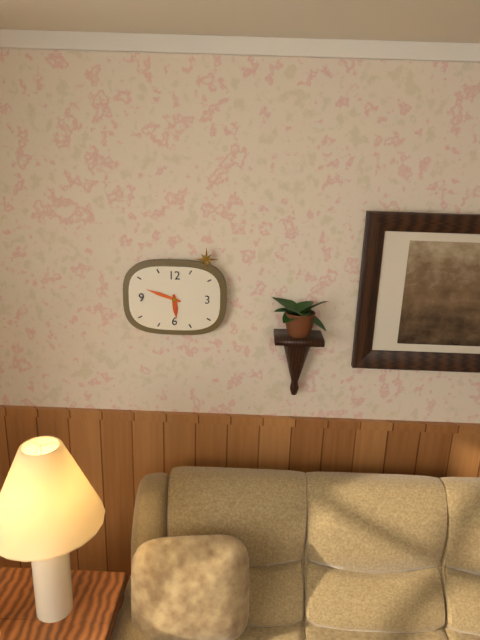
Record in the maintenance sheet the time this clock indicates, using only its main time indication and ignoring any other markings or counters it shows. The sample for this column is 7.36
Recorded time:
5.48
